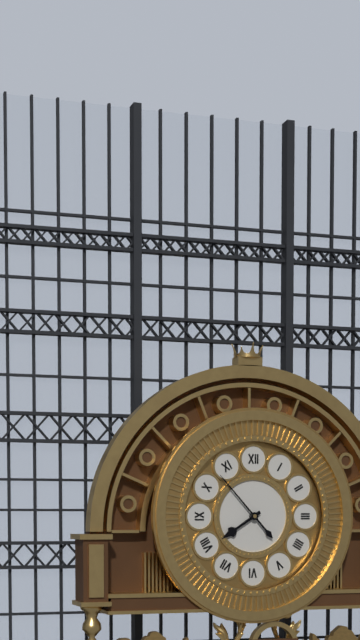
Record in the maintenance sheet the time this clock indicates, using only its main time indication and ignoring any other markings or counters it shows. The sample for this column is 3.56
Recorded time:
7.53
